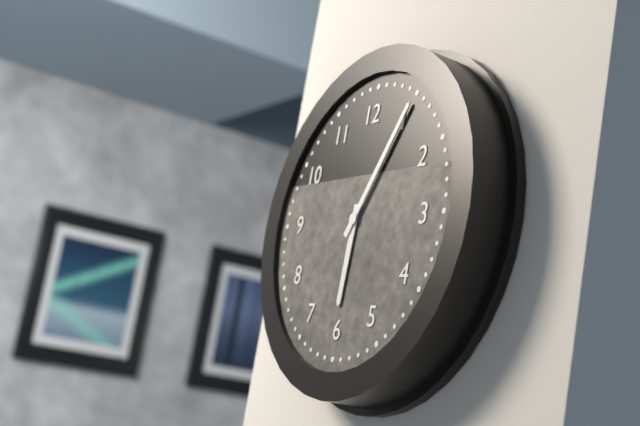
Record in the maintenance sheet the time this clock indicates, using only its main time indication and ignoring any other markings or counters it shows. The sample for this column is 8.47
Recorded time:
6.05
